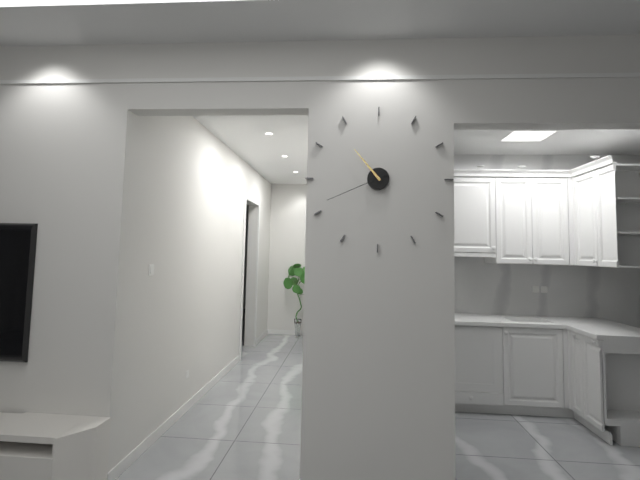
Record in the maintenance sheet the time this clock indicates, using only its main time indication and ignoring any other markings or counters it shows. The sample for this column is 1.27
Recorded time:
10.41
